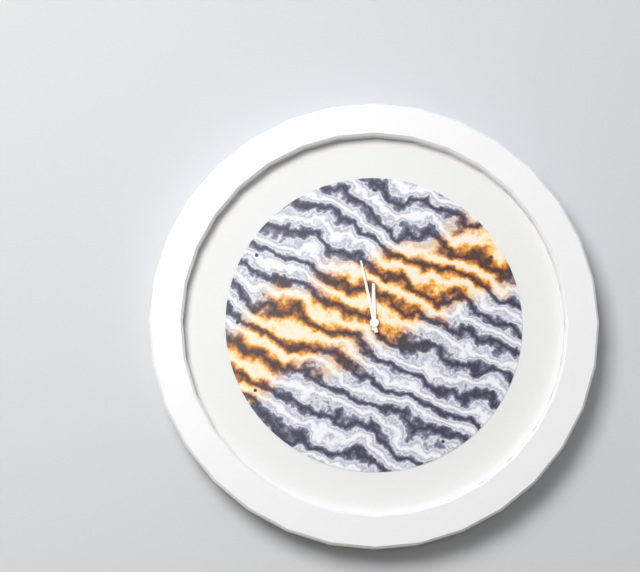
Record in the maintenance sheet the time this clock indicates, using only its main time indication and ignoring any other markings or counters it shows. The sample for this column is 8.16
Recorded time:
11.58
